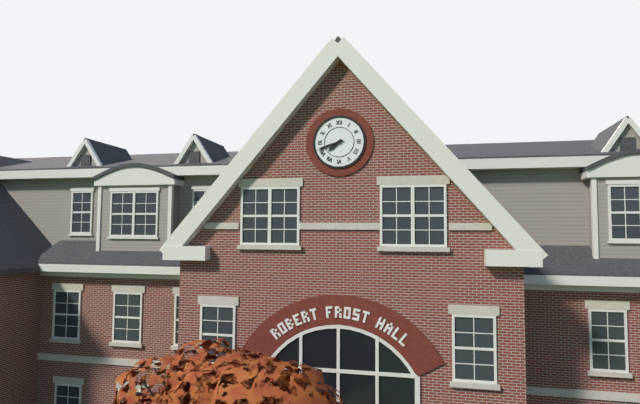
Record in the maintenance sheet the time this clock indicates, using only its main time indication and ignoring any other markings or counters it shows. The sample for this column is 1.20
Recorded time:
7.42
